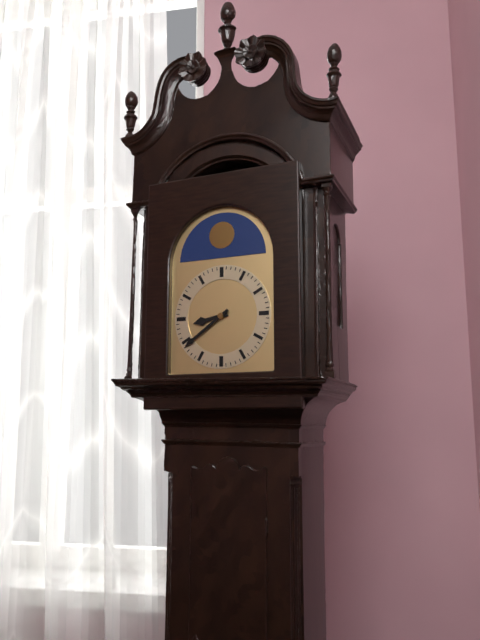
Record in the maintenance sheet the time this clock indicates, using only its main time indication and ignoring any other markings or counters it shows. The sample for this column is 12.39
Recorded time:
8.39
